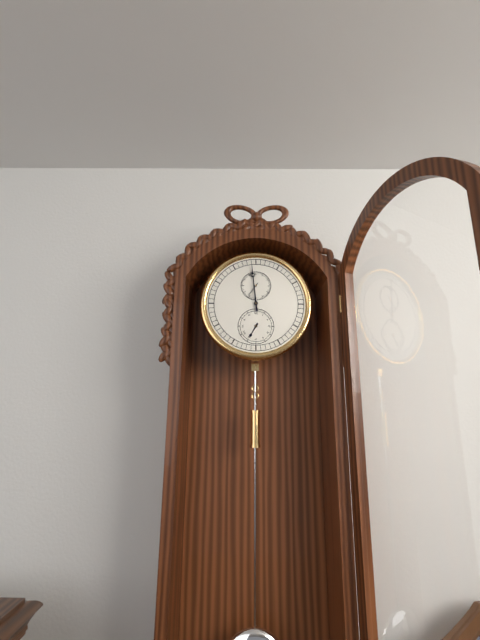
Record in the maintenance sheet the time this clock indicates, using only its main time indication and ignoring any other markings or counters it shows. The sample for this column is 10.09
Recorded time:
6.59
